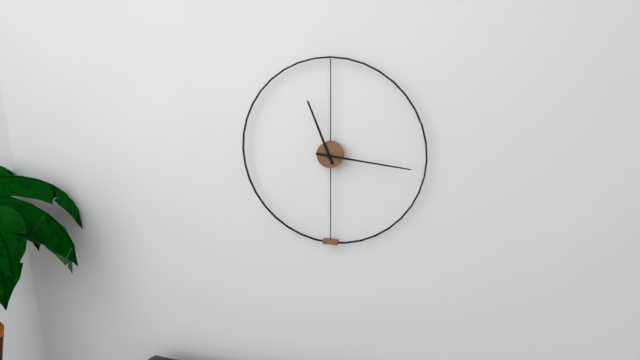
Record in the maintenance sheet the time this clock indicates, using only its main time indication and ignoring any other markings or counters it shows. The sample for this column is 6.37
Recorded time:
11.16
